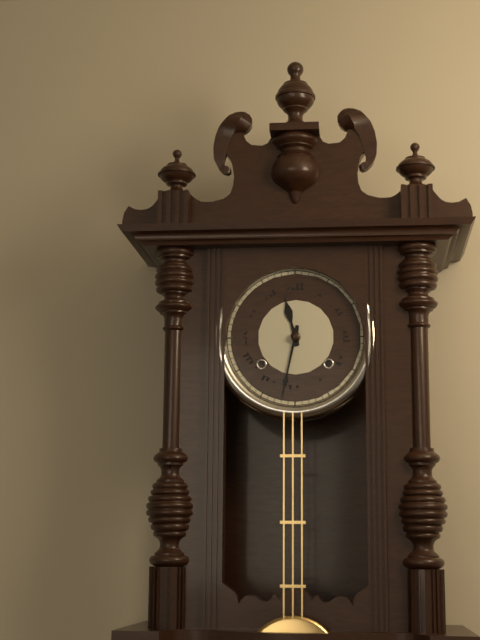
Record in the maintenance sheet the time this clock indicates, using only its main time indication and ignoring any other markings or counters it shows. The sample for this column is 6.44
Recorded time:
11.32
